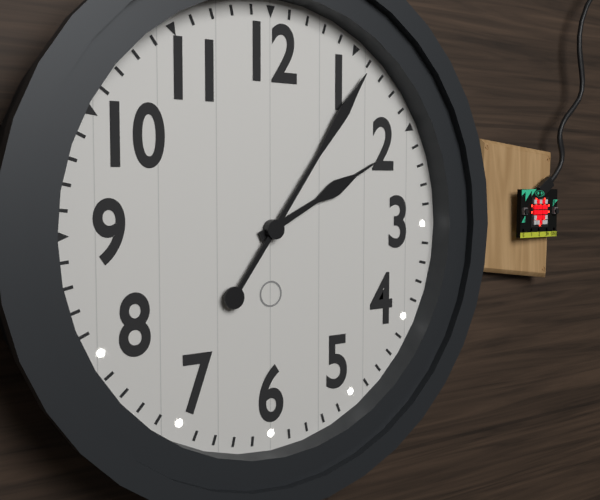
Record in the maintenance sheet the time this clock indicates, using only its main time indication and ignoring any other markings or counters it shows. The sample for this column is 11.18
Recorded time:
2.06
